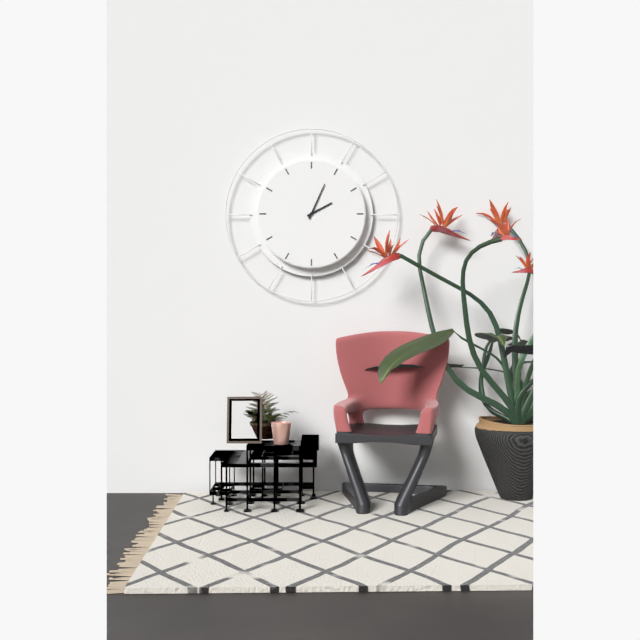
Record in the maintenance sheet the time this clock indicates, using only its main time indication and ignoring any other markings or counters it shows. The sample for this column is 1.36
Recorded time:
2.04
